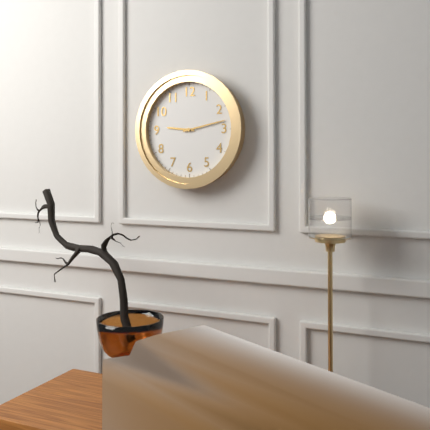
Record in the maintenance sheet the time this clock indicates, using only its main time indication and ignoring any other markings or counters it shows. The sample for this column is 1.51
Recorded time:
9.13
